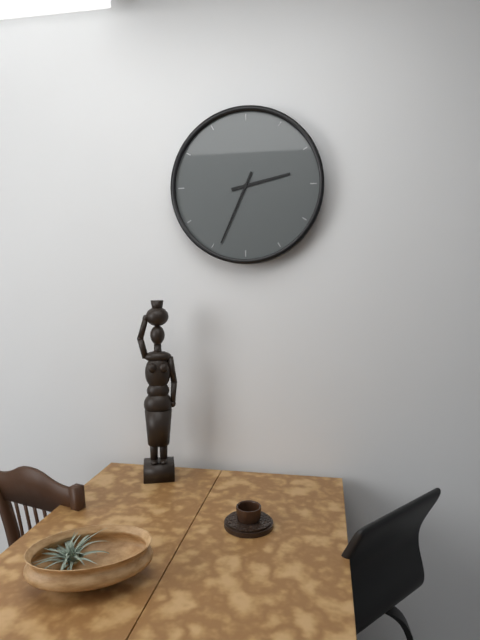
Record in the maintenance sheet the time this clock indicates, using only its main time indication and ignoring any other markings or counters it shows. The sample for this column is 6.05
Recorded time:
2.34
